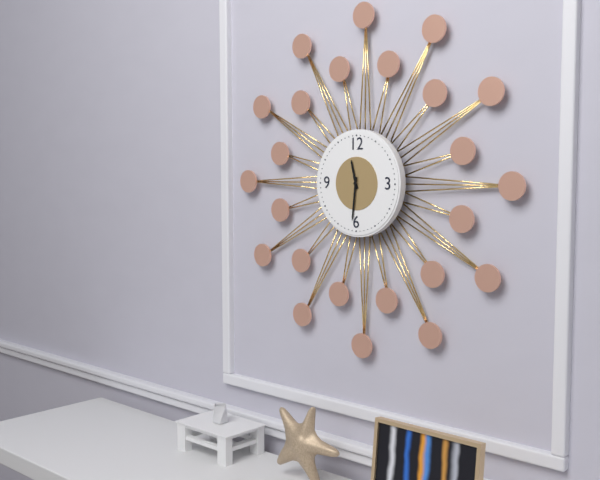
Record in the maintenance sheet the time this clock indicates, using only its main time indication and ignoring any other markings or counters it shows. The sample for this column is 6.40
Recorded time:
11.31
